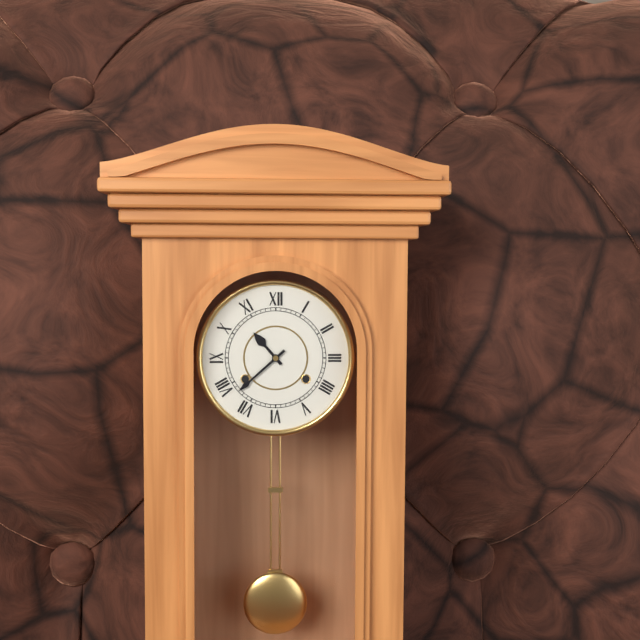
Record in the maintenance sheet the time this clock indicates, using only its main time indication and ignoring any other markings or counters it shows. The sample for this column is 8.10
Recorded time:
10.38
